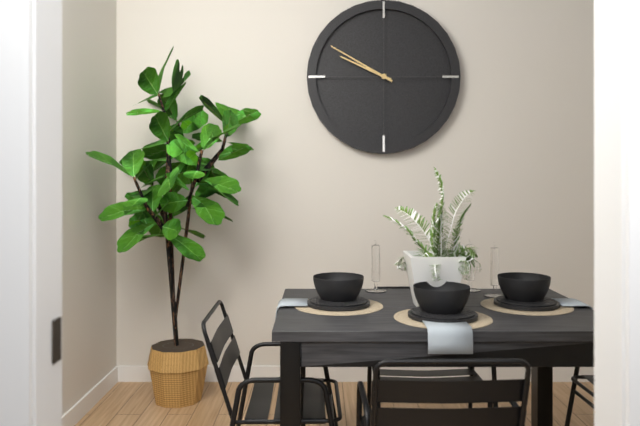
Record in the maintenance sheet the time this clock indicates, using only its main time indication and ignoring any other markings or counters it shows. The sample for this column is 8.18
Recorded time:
9.50
